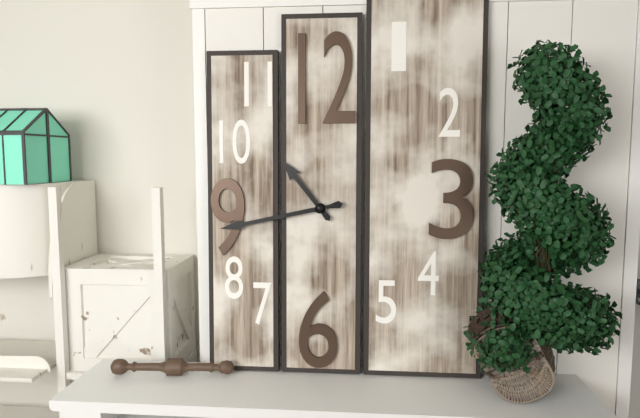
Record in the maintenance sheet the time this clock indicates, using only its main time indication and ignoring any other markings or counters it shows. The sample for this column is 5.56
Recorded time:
10.43
